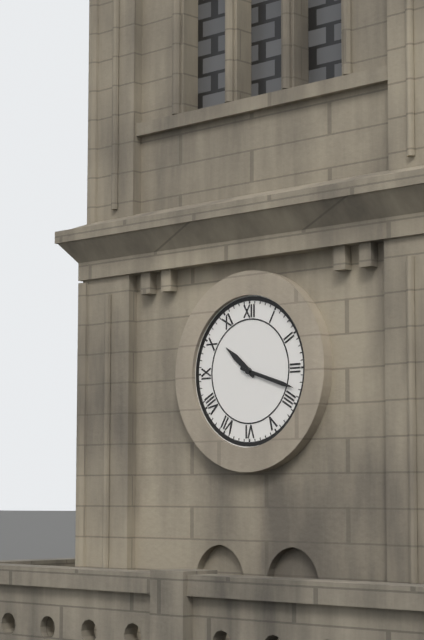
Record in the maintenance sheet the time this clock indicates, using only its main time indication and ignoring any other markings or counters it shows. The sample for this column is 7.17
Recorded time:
10.18
